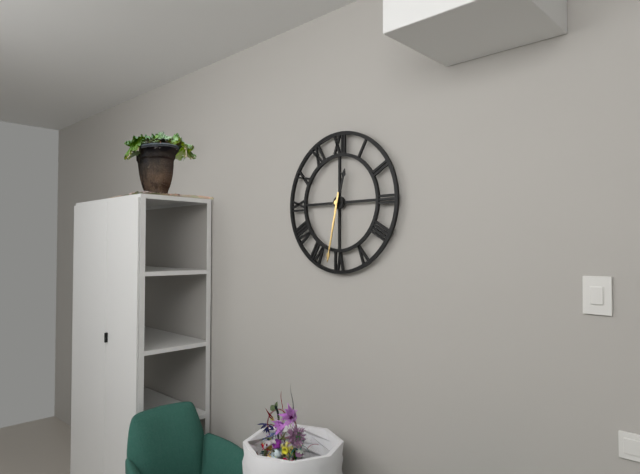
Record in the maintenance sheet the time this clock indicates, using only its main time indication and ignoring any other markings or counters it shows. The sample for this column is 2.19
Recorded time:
12.32
